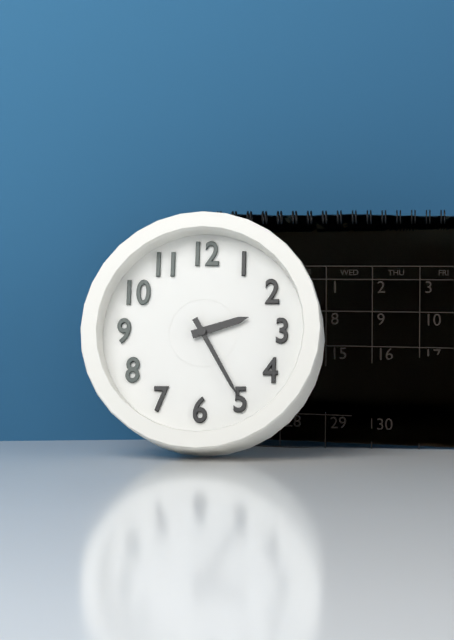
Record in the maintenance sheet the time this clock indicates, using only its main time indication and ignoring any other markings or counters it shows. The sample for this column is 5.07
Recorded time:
2.25
